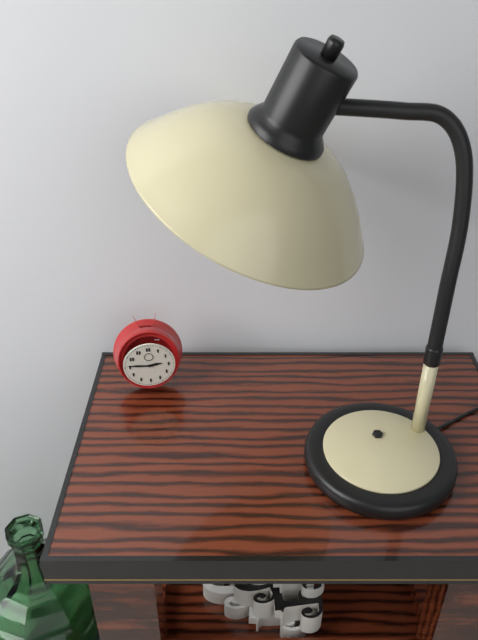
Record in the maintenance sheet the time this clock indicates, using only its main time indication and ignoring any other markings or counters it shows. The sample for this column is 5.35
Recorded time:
2.46
